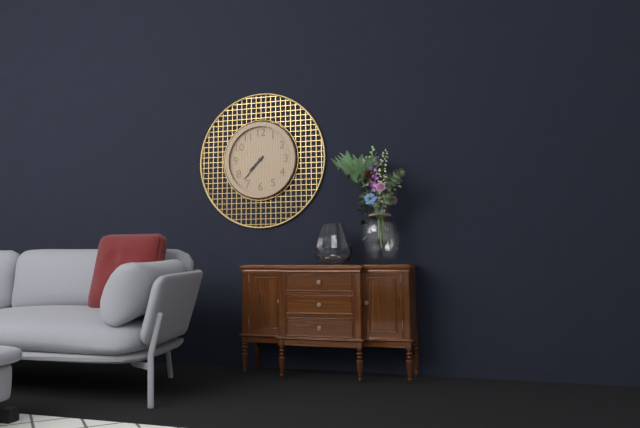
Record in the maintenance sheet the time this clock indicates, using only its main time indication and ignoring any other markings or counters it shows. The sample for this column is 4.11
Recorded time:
7.37
